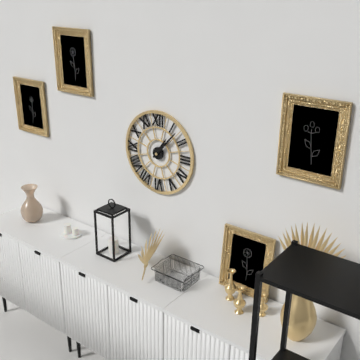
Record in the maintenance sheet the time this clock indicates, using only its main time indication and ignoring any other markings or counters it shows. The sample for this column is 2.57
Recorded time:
1.07
